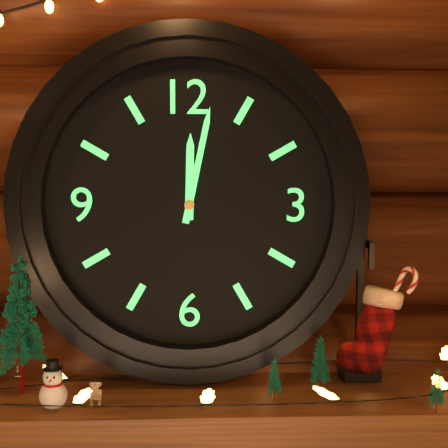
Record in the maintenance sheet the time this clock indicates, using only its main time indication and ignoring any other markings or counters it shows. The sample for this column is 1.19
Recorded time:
12.02
